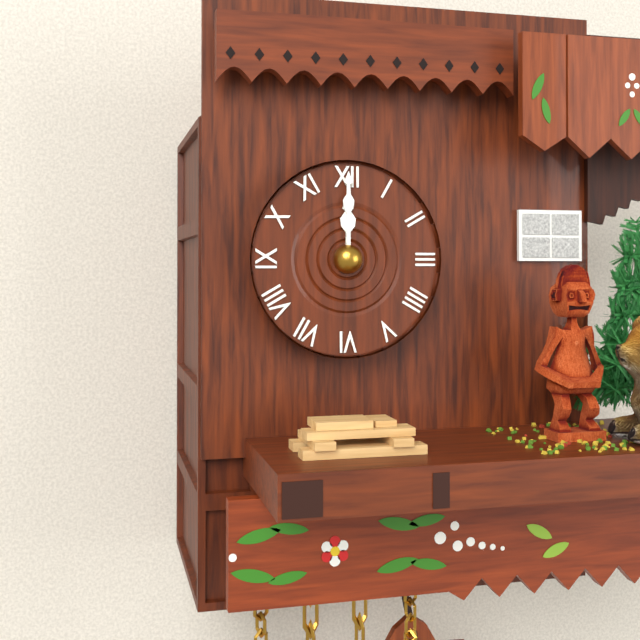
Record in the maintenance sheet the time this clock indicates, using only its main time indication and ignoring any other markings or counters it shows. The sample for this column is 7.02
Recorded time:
12.00
